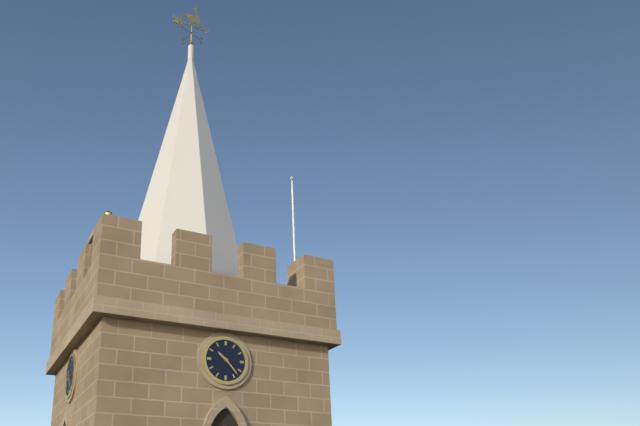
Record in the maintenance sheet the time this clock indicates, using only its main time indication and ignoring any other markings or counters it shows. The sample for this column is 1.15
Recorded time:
10.23
